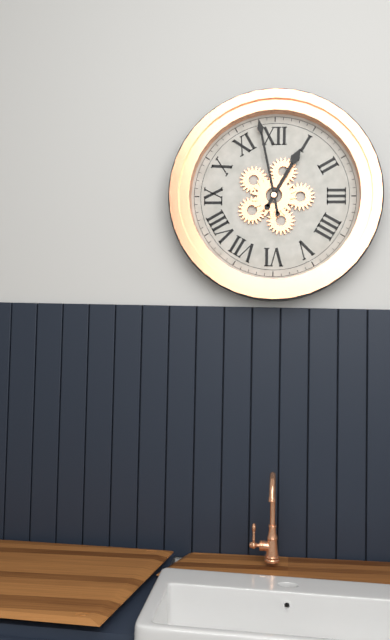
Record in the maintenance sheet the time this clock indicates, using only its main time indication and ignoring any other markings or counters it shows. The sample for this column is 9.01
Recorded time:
12.58
